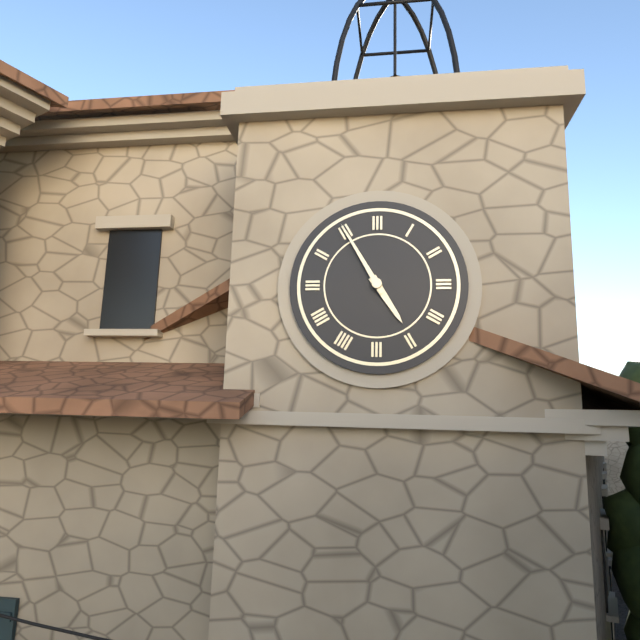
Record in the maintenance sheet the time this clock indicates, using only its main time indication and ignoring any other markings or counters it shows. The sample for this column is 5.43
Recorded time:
4.55
